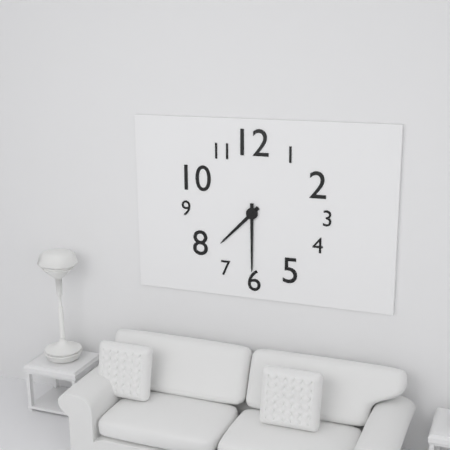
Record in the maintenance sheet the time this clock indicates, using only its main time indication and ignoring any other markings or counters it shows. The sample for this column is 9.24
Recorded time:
7.30
